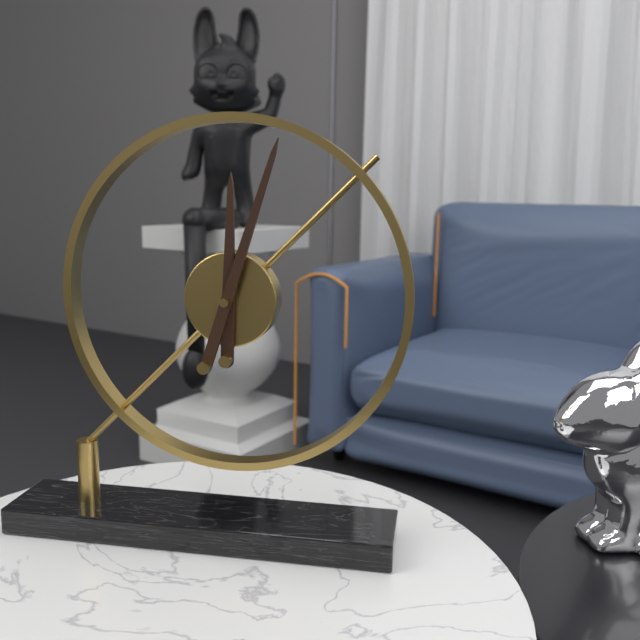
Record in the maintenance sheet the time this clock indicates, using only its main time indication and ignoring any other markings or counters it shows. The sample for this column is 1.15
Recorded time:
12.03
